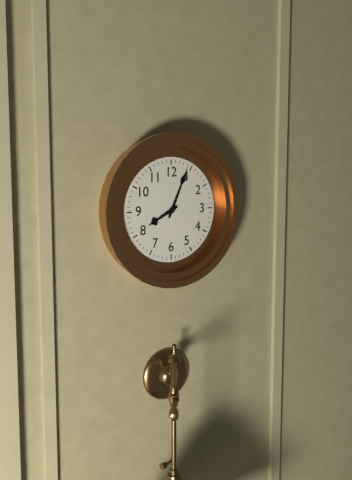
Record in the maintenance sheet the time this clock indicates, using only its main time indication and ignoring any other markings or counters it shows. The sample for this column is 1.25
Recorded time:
8.04
